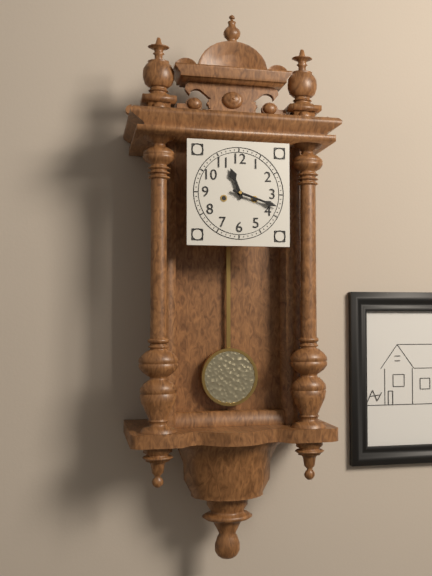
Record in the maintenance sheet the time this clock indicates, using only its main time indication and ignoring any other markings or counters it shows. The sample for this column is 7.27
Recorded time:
11.18
